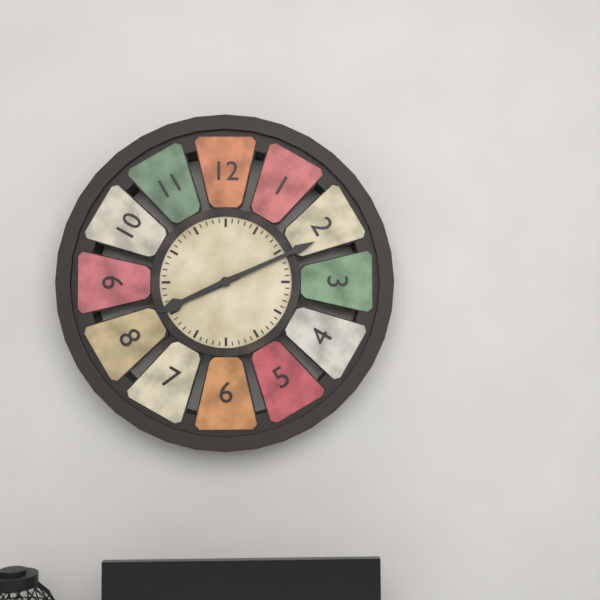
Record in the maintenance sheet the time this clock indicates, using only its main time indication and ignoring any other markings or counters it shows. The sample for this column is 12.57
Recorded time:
8.11
